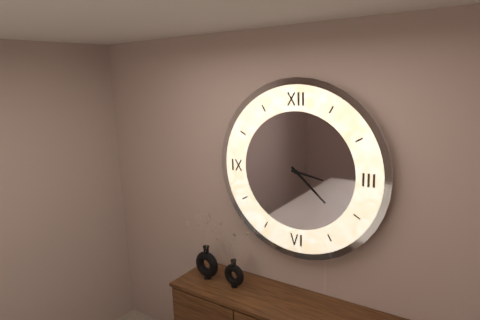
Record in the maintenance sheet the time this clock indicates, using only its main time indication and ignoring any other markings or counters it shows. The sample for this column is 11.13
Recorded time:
3.22
